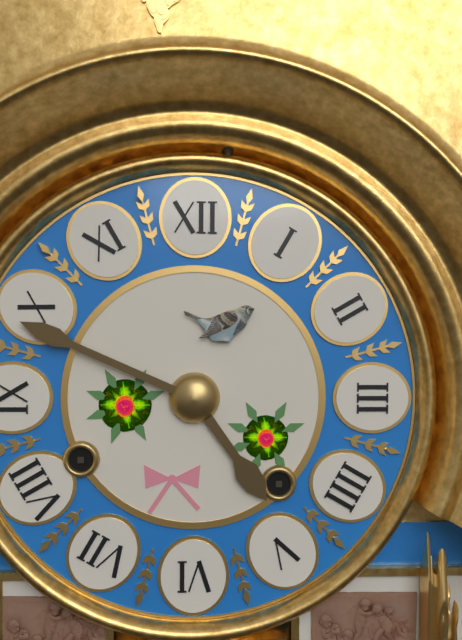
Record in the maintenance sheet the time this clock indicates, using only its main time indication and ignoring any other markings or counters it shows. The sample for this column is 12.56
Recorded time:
4.49
